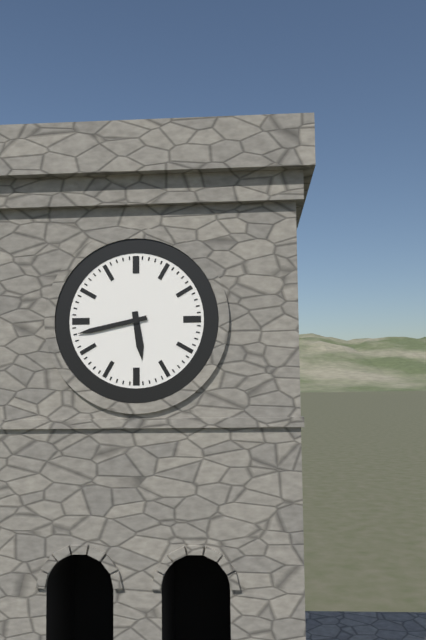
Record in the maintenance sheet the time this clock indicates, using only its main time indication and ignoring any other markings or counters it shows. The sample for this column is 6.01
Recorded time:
5.43
